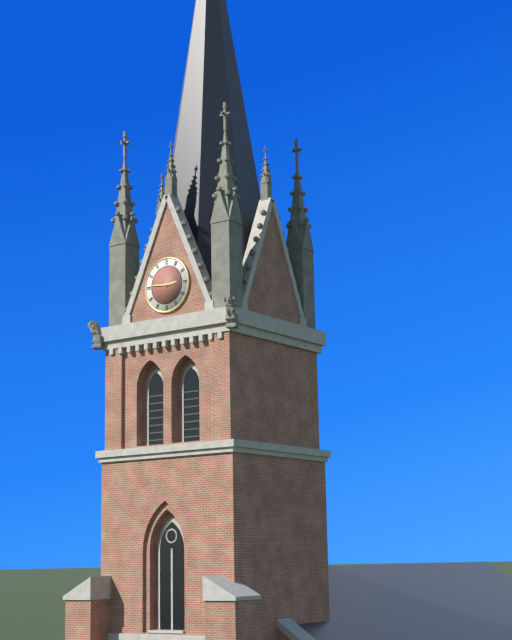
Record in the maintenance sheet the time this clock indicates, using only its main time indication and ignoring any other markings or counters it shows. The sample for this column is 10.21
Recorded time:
2.46
